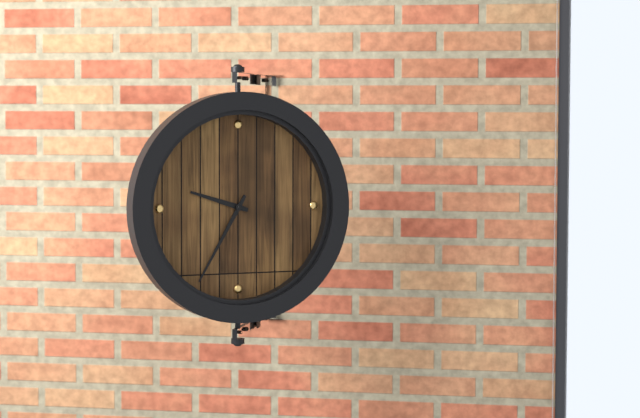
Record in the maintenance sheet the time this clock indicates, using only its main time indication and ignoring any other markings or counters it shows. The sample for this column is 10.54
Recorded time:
9.35
